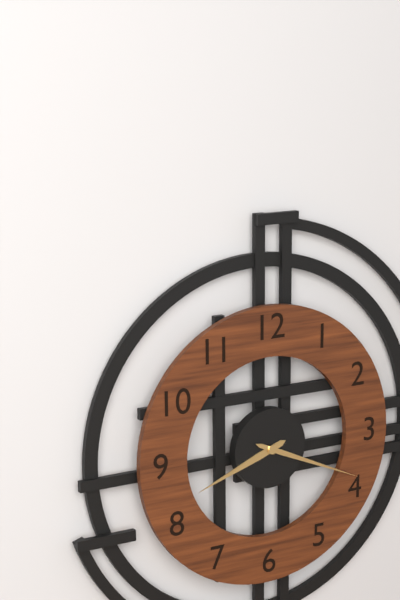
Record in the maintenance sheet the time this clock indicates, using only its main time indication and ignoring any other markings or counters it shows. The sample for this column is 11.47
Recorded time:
8.19
